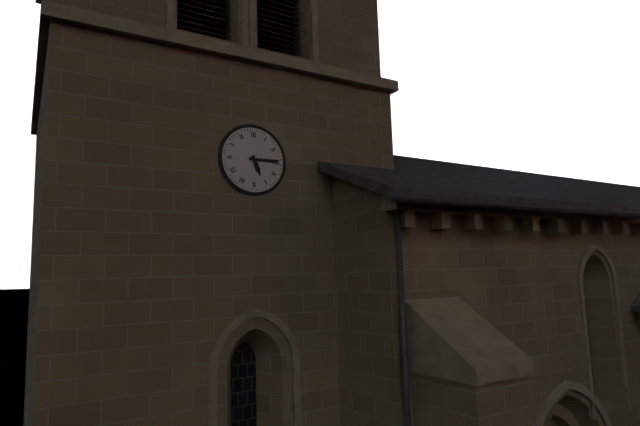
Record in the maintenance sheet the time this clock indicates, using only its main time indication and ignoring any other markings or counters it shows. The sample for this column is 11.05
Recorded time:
5.15
